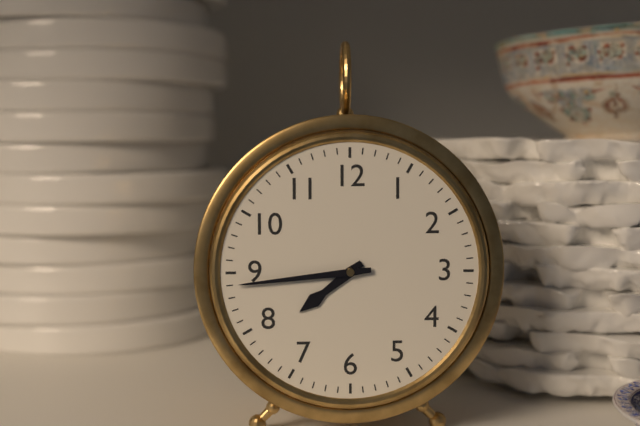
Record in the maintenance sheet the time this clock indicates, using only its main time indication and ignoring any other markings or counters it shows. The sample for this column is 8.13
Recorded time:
7.44
